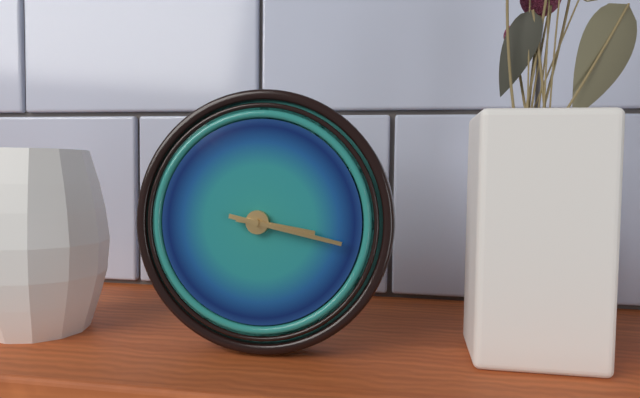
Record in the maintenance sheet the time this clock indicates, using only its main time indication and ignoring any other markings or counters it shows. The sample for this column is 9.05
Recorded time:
3.17
